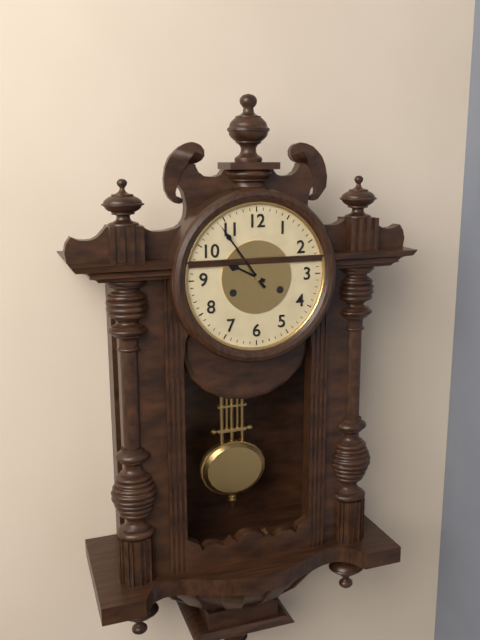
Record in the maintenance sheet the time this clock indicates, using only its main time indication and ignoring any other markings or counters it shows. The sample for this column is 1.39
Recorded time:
9.54
